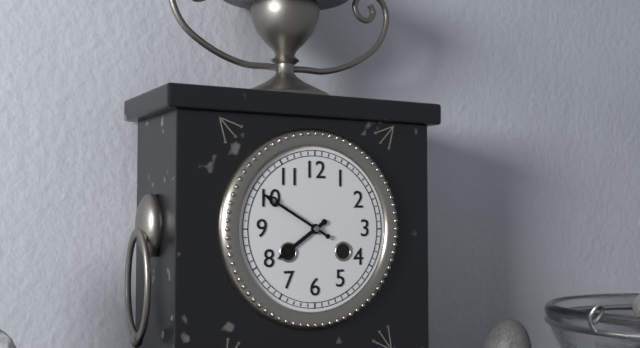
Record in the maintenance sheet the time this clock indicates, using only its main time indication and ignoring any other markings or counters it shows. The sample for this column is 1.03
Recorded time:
7.50
